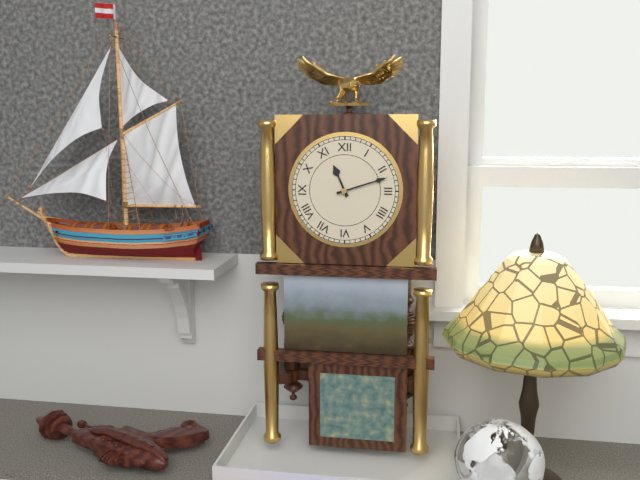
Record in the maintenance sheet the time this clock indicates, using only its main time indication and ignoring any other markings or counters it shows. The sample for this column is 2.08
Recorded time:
11.12
